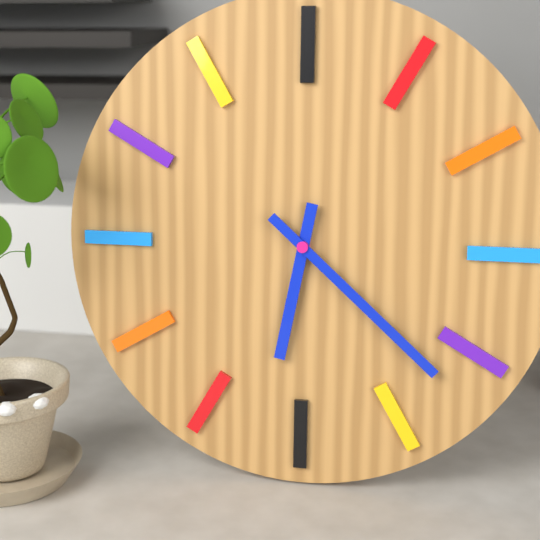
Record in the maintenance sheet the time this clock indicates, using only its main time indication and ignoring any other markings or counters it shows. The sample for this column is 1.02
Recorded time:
6.22
